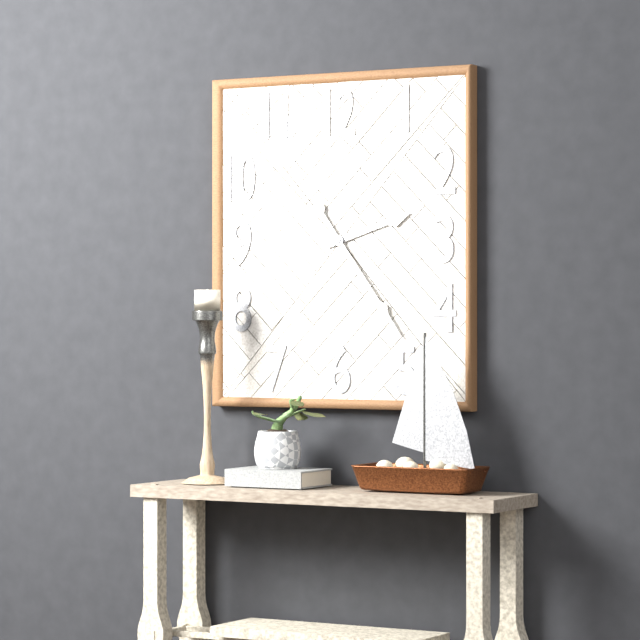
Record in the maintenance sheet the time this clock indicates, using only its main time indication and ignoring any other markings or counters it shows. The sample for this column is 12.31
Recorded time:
2.24
